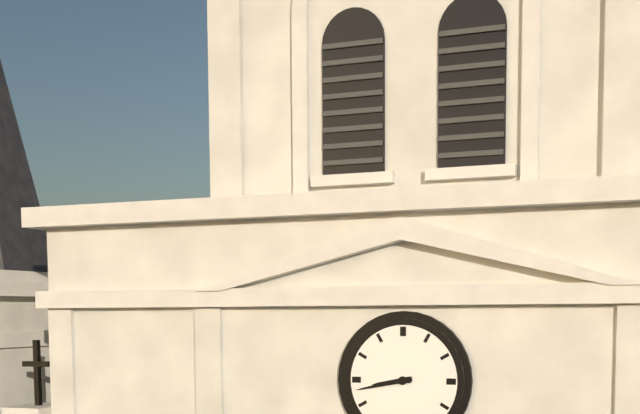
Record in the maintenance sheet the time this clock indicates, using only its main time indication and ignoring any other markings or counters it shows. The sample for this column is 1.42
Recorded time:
8.43
